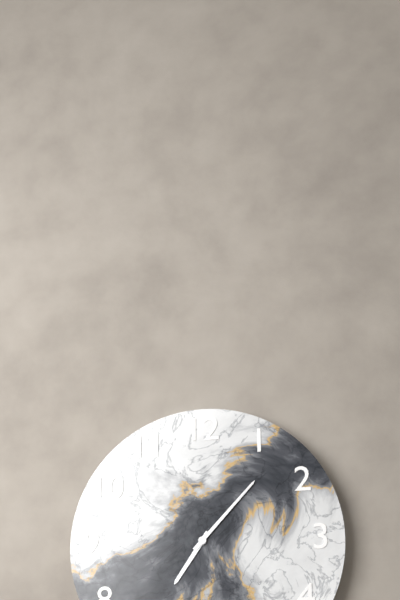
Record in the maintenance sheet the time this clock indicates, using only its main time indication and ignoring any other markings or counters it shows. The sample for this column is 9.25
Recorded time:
7.07
